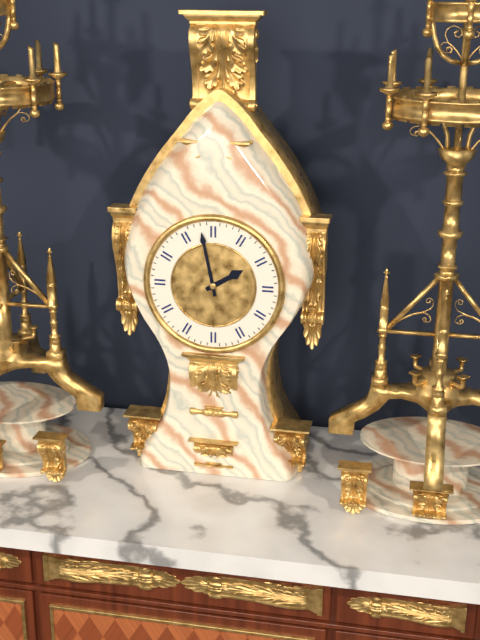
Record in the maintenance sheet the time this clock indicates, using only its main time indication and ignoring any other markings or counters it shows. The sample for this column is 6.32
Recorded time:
1.58
